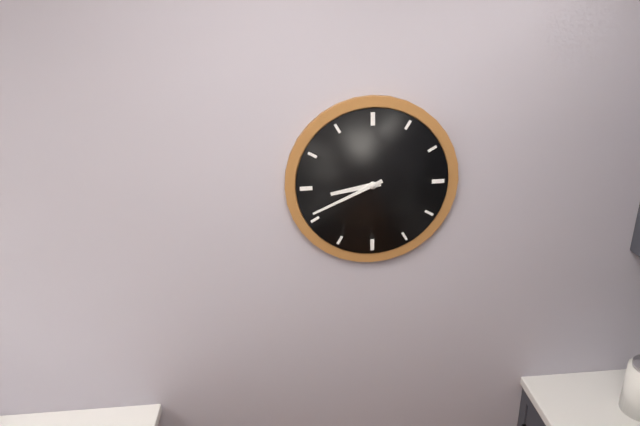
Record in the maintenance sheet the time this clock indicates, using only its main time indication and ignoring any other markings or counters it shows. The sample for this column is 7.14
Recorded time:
8.41
